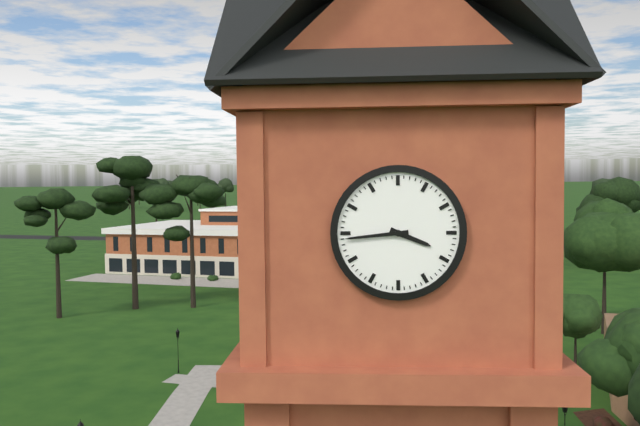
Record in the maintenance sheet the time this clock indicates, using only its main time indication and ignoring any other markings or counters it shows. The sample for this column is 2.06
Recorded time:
3.44
